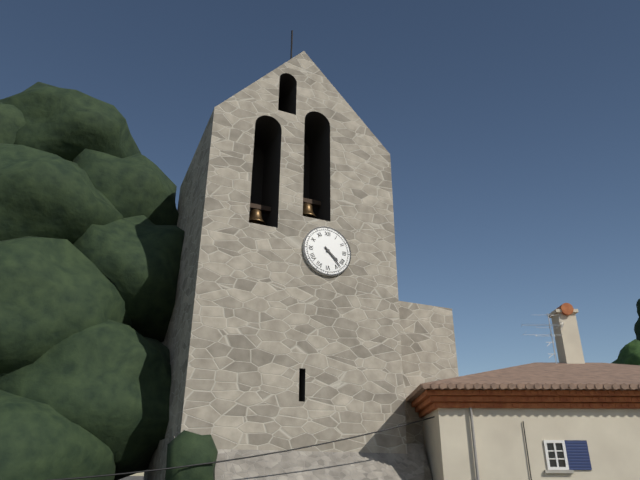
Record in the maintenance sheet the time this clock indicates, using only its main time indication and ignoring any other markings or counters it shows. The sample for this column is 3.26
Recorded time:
4.23
